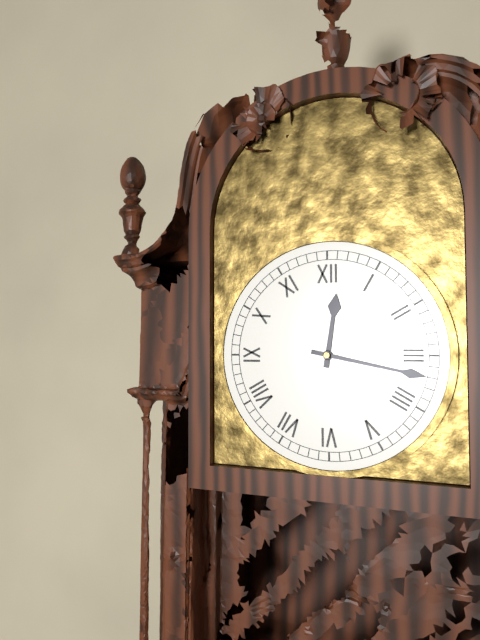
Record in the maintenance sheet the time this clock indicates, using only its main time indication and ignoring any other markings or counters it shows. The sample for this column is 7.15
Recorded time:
12.17
